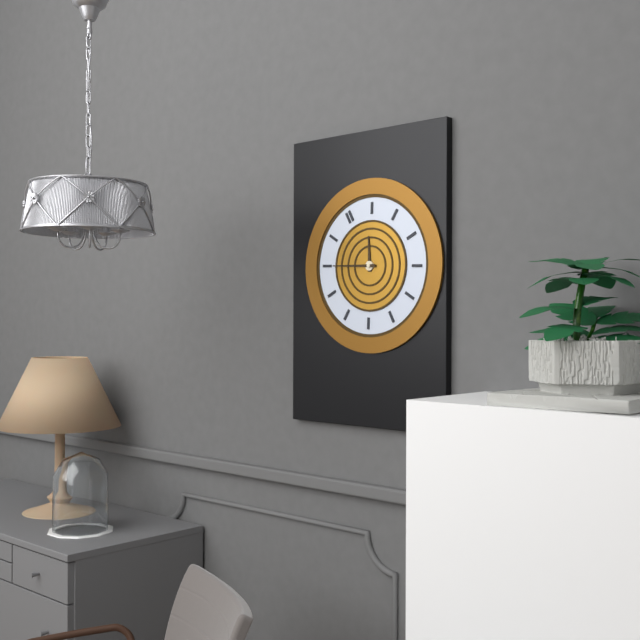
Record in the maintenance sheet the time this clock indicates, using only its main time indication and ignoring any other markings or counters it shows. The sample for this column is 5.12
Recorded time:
12.50
